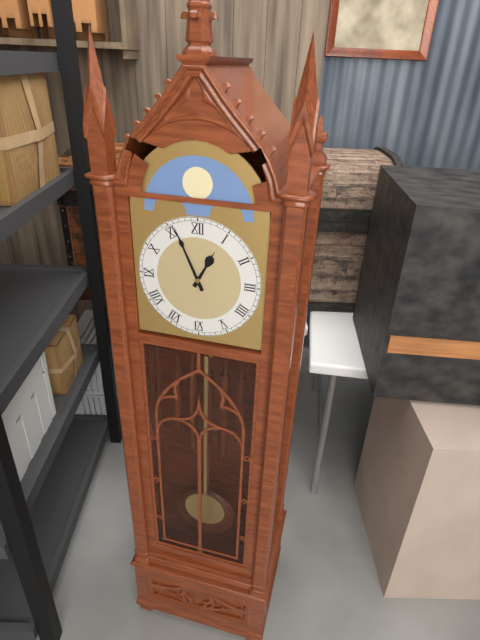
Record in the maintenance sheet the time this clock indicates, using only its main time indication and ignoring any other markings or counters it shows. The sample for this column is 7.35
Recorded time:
12.56
